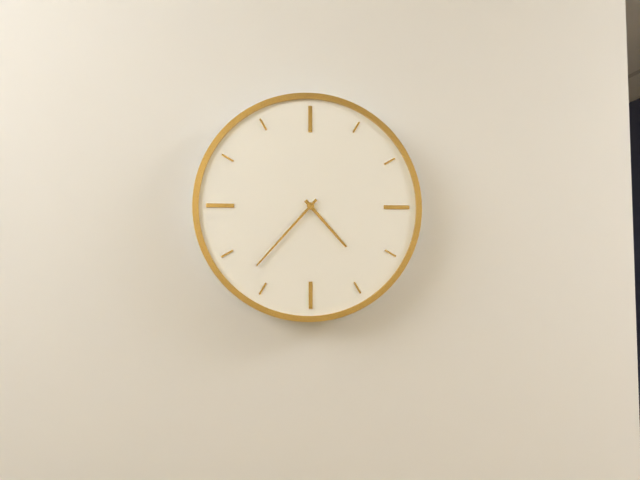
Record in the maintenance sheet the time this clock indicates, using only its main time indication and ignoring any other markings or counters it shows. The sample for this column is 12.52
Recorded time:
4.37
